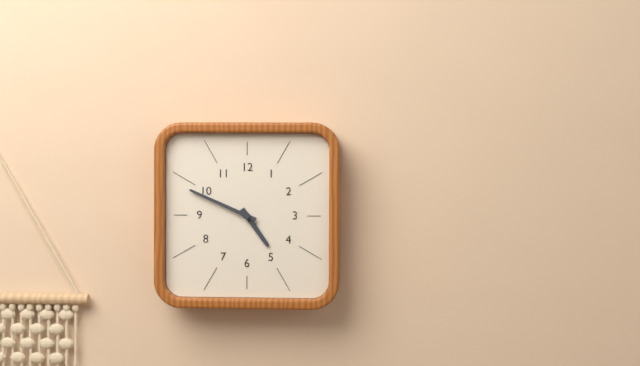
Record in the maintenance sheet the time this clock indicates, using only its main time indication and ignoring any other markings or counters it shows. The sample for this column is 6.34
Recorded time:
4.49
